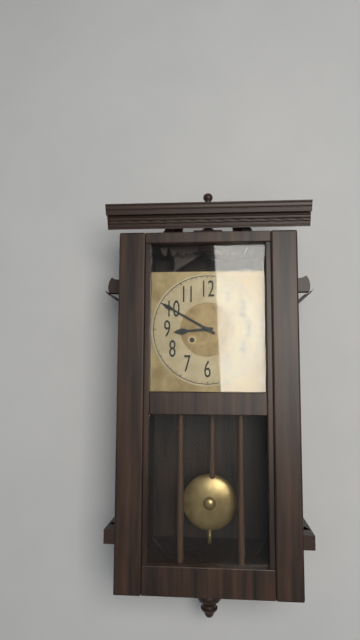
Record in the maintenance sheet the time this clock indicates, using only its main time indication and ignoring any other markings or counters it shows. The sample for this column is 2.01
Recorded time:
8.50
